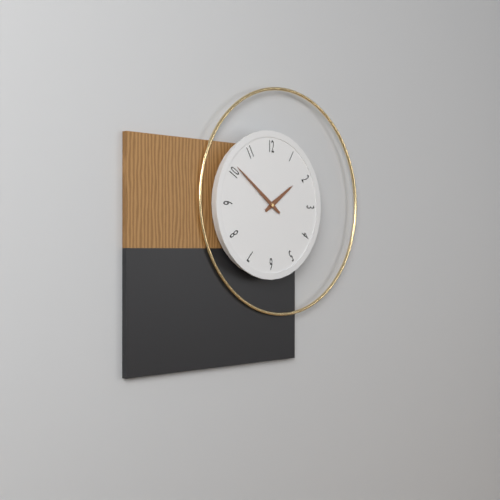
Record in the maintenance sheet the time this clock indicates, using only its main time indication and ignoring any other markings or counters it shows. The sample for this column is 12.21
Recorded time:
1.51
